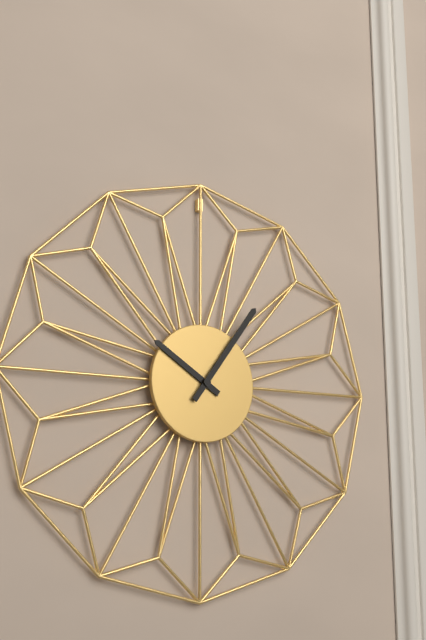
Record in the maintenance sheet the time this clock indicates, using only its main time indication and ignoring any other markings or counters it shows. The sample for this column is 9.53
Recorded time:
10.06
